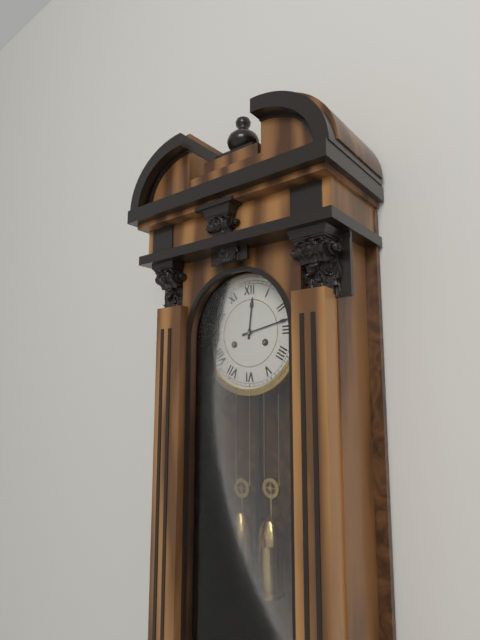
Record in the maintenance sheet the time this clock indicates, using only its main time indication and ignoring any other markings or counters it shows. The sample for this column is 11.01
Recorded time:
12.13
